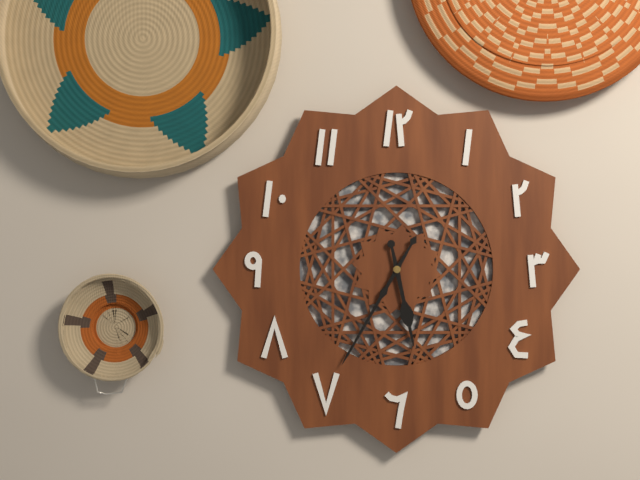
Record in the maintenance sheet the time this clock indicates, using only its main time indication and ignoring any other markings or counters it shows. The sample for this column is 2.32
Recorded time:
5.35
